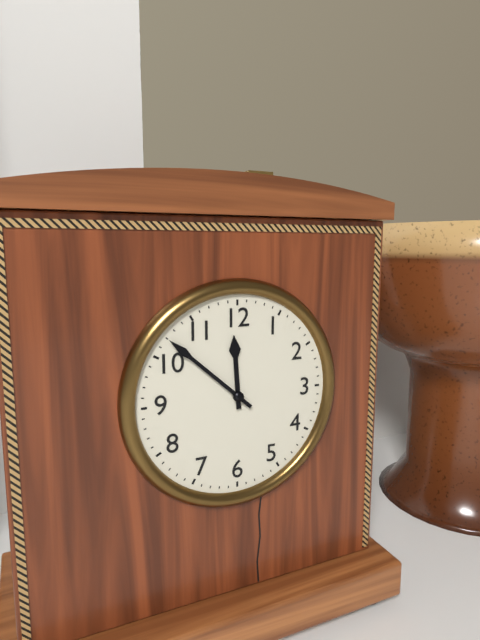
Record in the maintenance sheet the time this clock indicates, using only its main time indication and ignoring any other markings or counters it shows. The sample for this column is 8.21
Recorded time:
11.52
